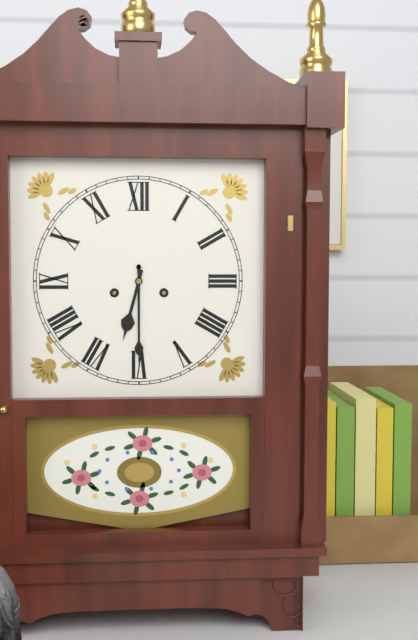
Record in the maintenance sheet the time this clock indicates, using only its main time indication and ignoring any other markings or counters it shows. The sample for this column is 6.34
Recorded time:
6.30
